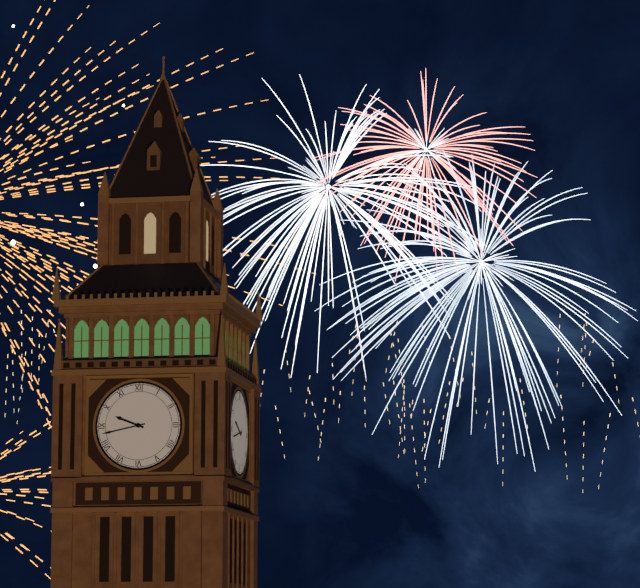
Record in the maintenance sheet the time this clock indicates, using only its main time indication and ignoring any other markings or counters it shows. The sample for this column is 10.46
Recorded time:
9.43
